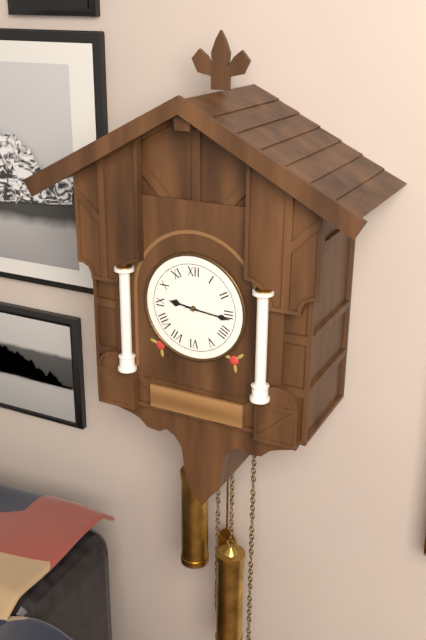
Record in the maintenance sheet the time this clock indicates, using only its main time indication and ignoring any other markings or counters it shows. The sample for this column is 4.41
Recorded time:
9.16
